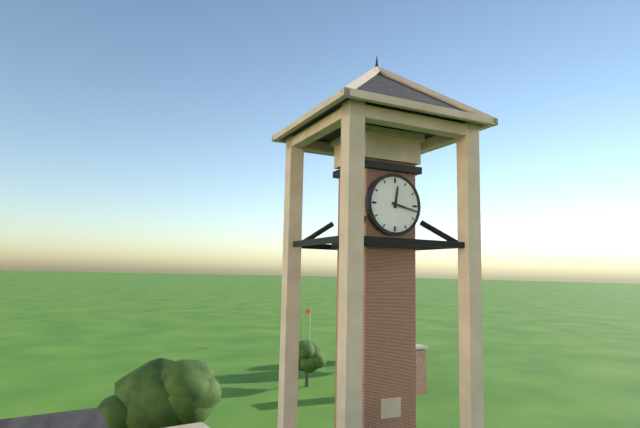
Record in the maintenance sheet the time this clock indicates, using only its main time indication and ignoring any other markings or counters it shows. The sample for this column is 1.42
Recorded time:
12.17
